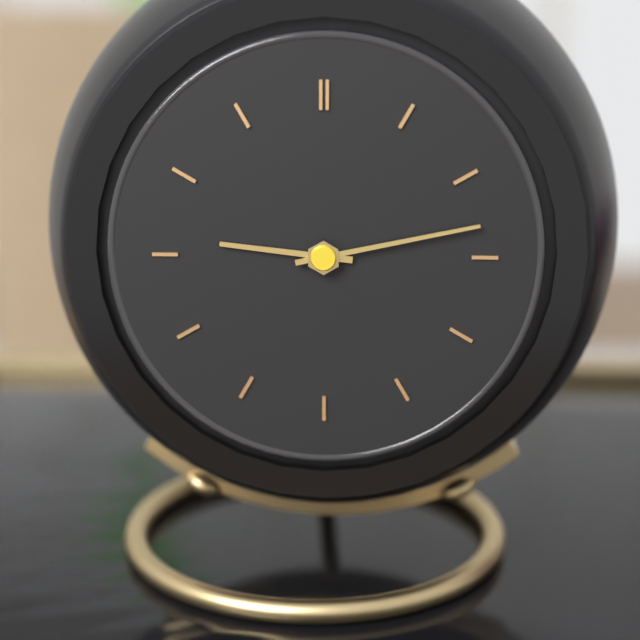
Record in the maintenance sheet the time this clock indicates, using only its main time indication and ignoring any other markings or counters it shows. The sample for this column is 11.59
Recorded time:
9.13
